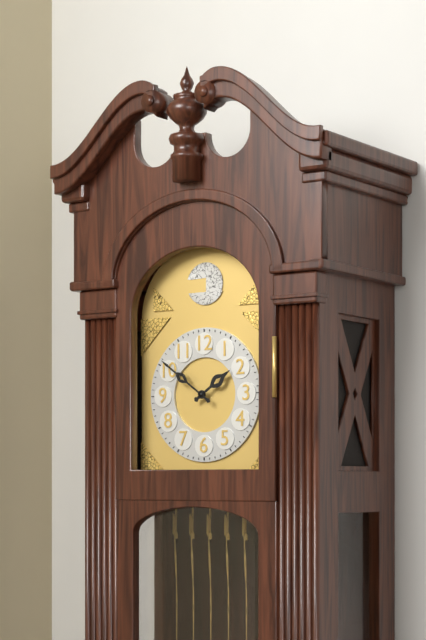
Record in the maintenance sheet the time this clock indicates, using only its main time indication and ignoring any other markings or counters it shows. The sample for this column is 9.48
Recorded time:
1.51
